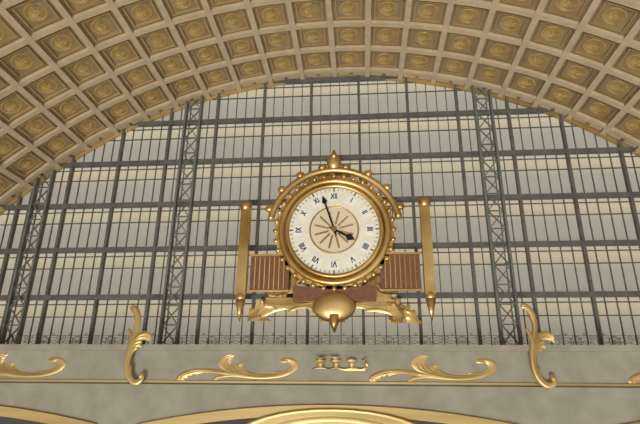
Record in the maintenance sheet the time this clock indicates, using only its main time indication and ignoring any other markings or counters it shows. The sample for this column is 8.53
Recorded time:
3.57
